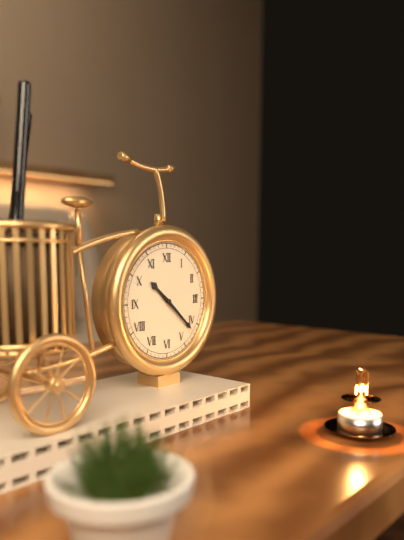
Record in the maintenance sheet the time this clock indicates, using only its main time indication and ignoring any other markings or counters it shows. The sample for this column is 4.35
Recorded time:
10.22
